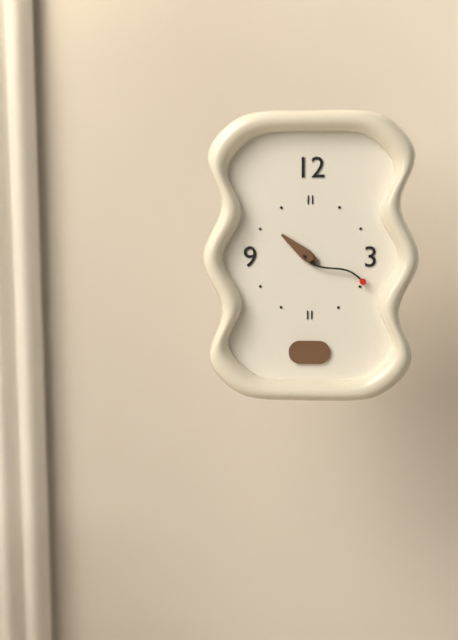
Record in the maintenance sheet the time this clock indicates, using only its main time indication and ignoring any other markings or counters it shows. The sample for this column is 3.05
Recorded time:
10.19
